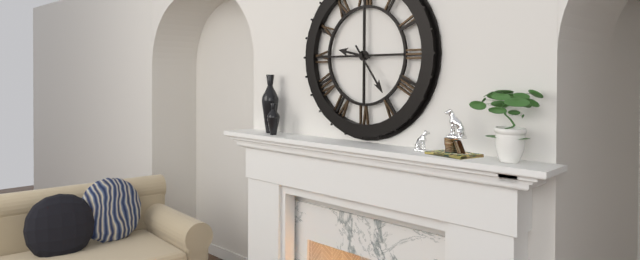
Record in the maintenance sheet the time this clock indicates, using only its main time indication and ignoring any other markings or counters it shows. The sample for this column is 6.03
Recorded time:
9.24
